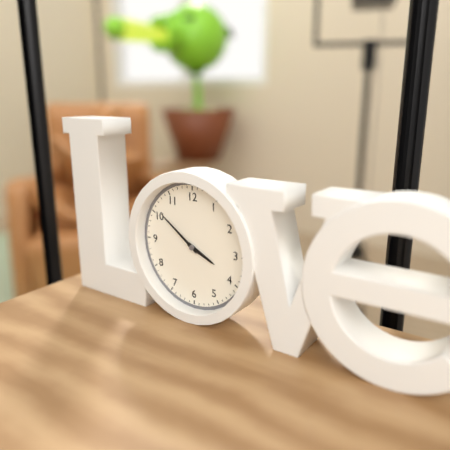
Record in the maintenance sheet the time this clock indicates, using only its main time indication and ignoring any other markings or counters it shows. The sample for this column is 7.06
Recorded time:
3.51
